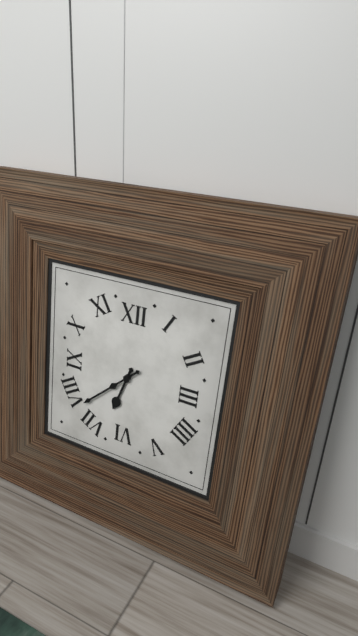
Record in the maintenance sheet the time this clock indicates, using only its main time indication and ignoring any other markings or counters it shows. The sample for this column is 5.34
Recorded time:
6.38
